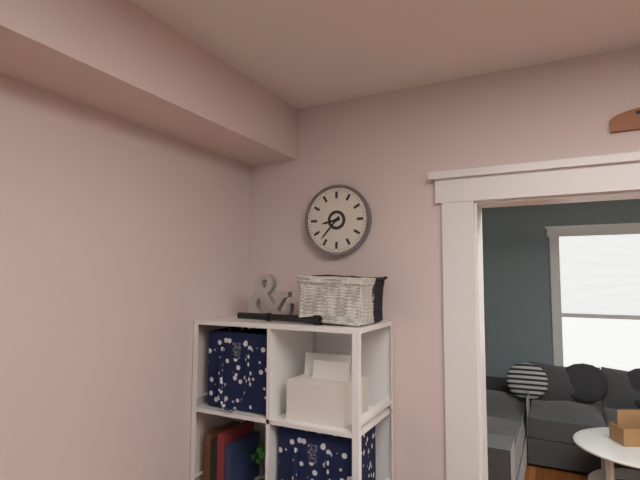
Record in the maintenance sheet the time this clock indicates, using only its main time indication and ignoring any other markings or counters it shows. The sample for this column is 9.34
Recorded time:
8.37
